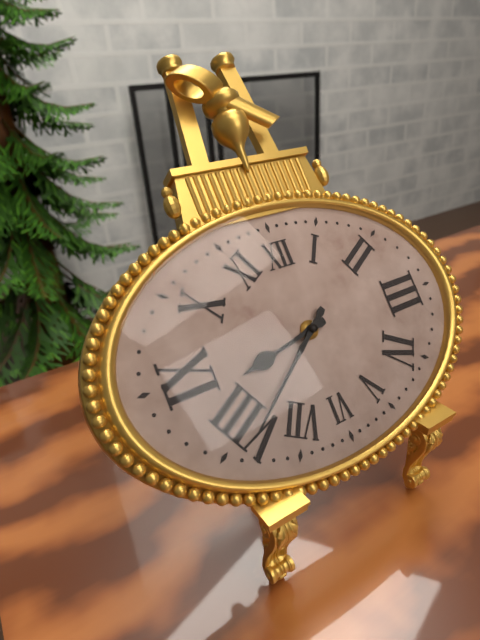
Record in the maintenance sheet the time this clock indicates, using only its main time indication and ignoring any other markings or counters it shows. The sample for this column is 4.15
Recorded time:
8.39
